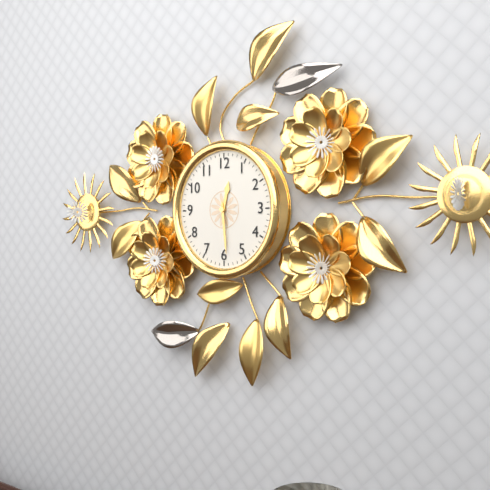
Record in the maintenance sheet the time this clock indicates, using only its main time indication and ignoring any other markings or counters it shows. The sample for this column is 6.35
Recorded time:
12.29
